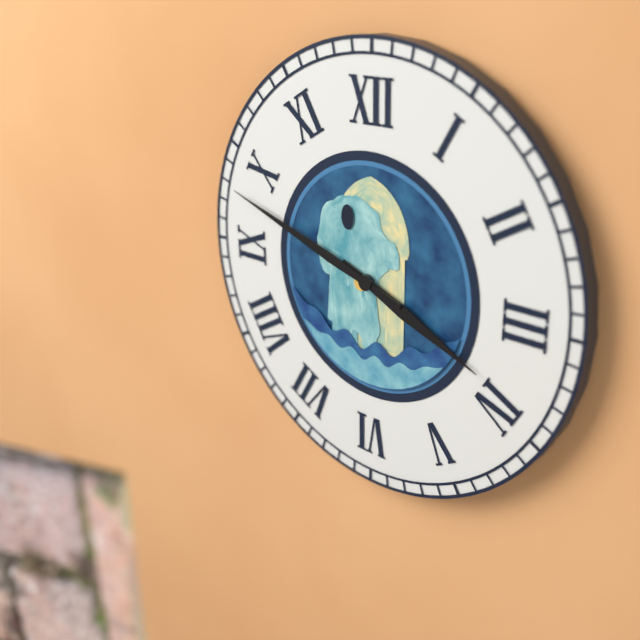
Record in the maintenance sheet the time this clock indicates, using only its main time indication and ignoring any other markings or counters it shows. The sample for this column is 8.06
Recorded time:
3.48
